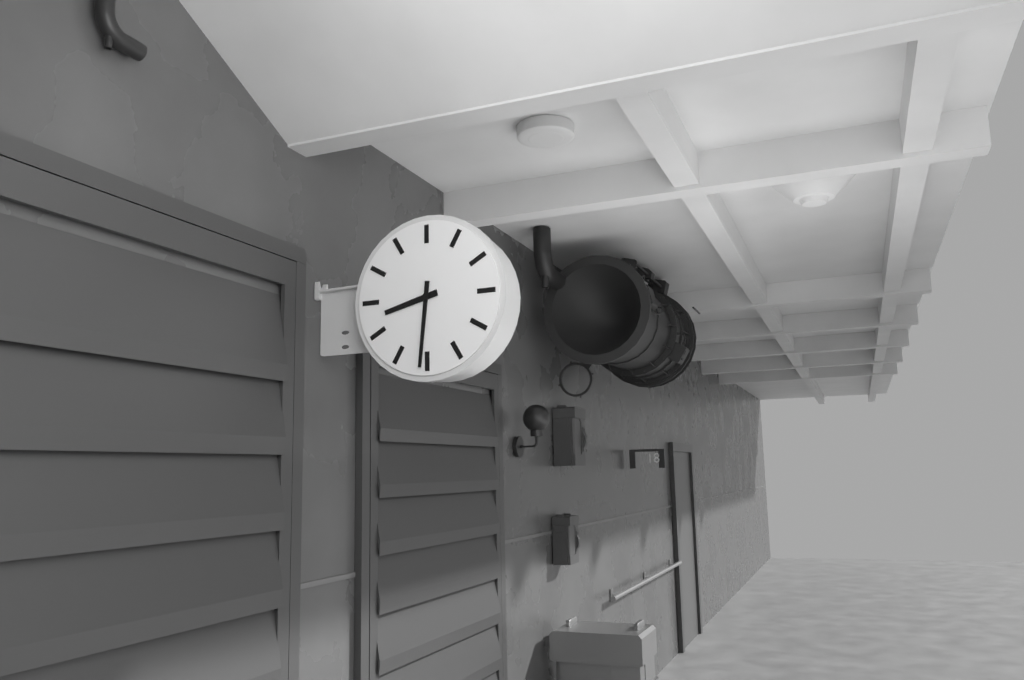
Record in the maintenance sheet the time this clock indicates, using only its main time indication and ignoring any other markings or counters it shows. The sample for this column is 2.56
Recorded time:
8.31
